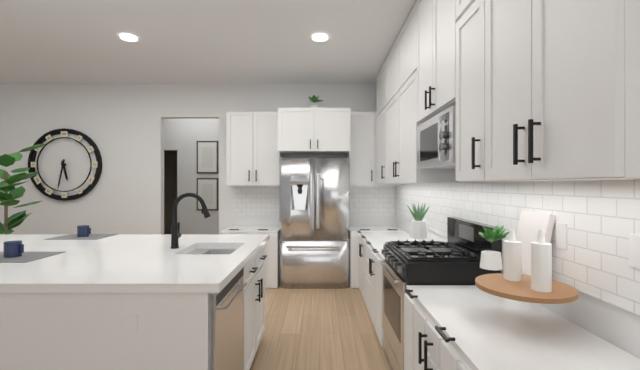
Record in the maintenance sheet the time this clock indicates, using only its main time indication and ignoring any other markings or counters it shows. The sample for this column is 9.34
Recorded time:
5.32
